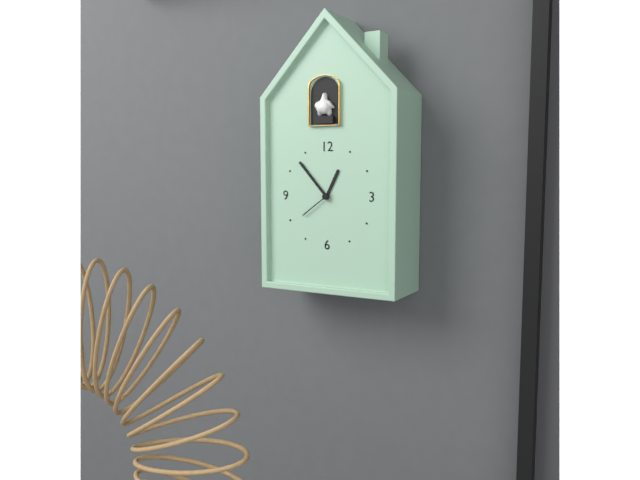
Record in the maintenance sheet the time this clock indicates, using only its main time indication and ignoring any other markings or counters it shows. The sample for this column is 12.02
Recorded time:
12.53
